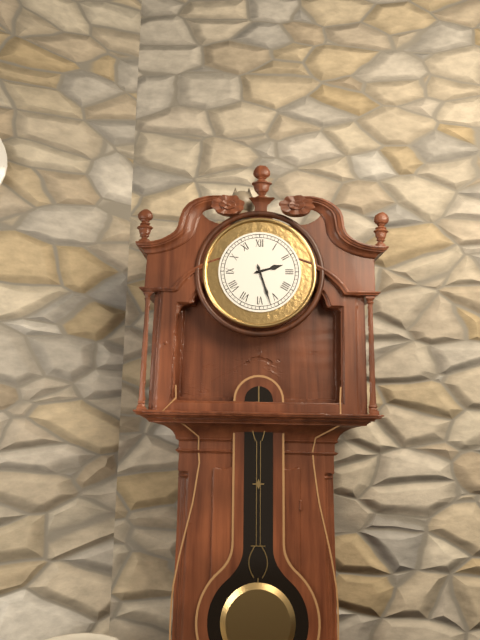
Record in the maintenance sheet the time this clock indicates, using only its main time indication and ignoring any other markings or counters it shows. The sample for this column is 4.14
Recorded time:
2.27
